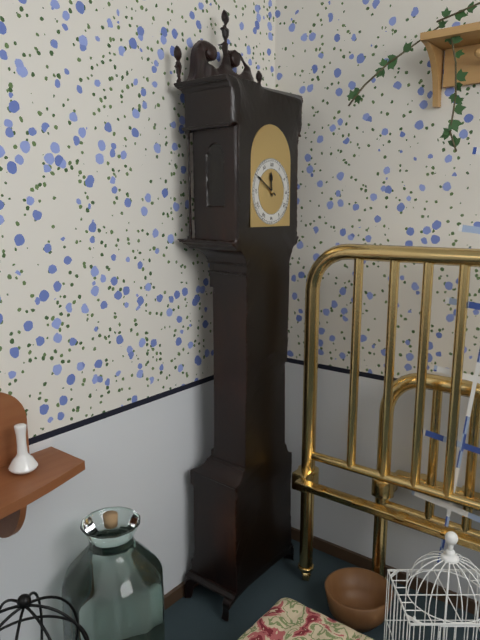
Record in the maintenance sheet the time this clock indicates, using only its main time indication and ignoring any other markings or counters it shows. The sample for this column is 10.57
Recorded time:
11.50
